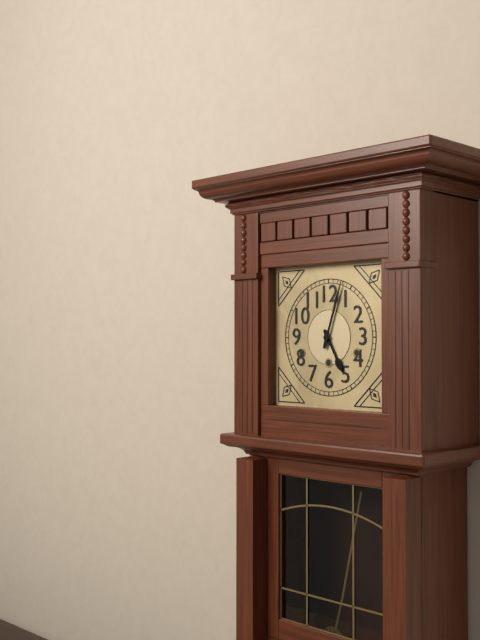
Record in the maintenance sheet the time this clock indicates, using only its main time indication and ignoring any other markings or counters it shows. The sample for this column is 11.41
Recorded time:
5.03
